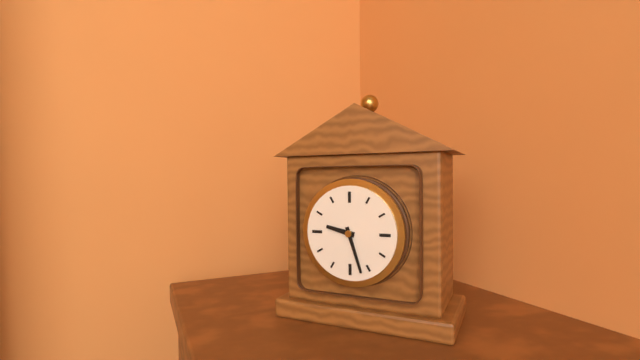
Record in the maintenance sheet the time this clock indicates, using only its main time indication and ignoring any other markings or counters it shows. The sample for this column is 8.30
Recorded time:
9.27
